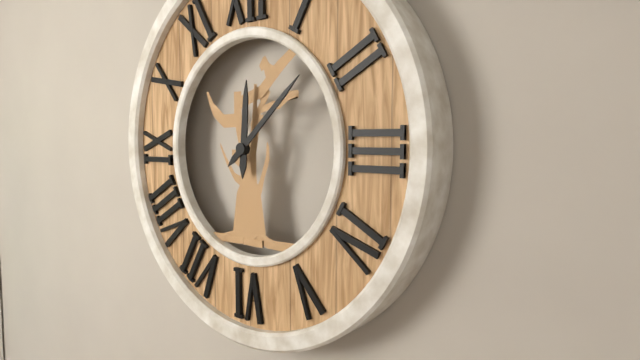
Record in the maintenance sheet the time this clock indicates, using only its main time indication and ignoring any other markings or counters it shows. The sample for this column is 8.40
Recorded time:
12.08
